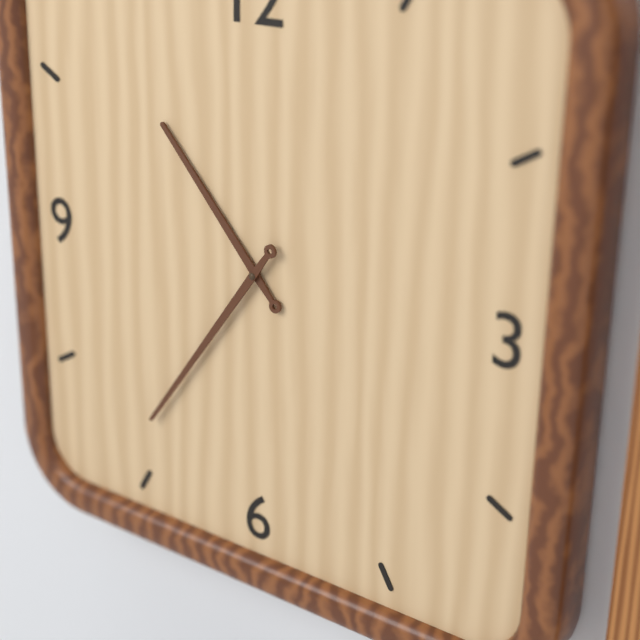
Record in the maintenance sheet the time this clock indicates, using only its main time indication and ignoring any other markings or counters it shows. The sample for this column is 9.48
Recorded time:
10.36
